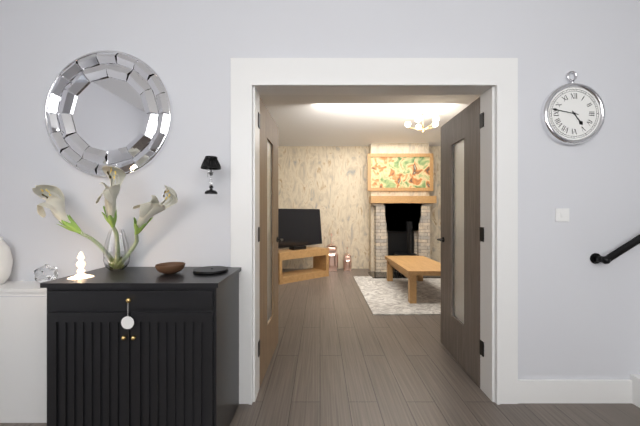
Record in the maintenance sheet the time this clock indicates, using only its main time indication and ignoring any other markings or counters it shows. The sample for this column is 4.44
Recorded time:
4.47
